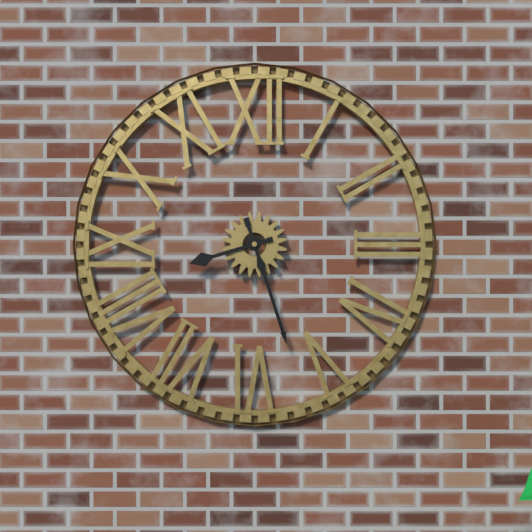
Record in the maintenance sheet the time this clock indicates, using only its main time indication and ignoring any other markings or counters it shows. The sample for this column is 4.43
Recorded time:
8.27
